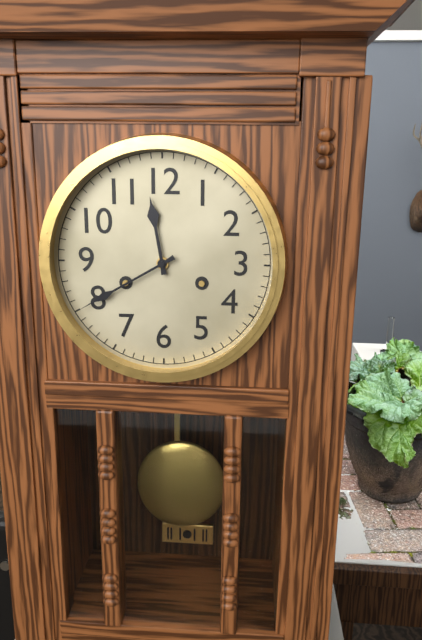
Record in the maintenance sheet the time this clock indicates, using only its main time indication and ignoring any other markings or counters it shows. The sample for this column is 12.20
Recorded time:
11.40
